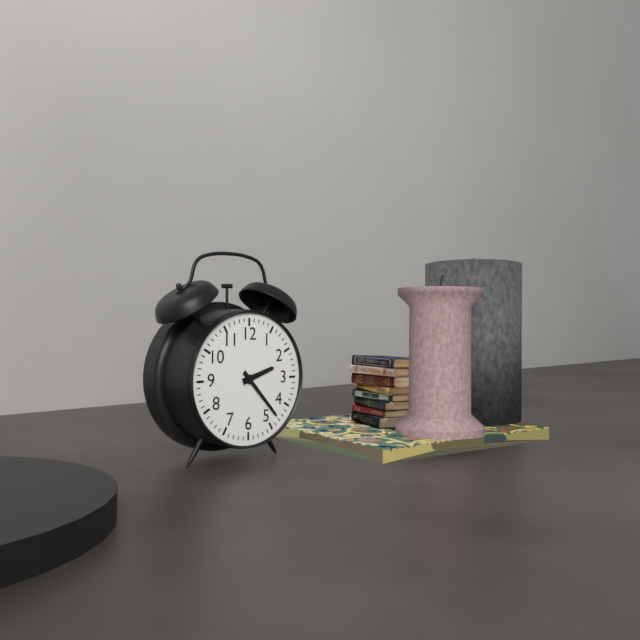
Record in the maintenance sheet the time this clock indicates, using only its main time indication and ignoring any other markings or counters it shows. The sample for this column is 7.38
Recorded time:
2.23
